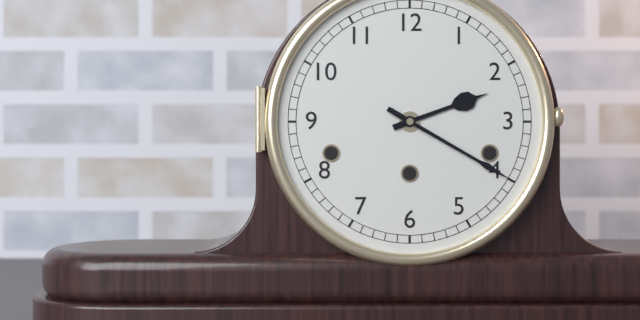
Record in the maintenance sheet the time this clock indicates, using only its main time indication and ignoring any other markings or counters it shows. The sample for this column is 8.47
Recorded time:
2.20
